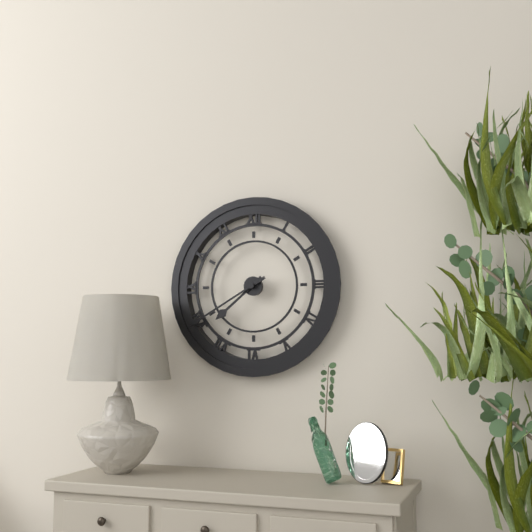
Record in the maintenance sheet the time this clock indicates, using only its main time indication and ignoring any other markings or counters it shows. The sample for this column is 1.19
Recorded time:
7.40
